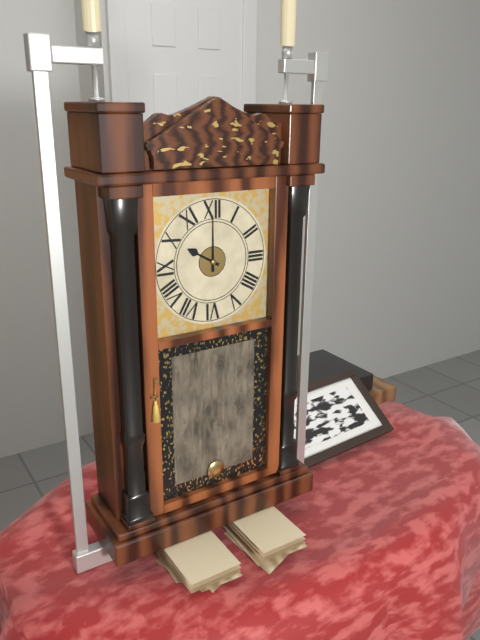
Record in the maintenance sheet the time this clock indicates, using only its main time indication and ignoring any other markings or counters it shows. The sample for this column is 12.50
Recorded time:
10.00
